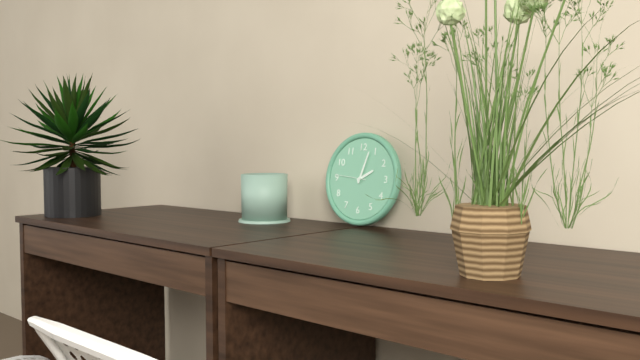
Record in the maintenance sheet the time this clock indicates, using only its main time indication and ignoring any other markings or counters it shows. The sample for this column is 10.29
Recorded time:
2.03
